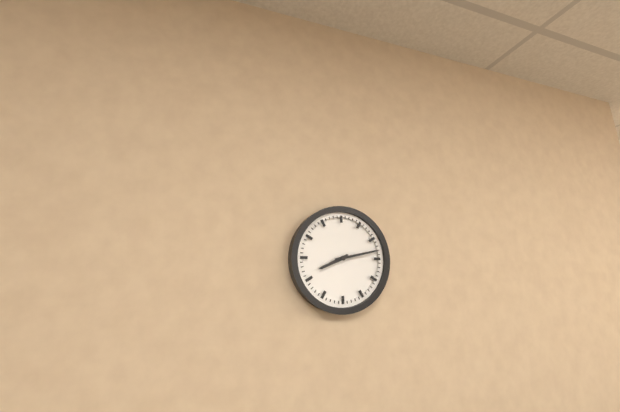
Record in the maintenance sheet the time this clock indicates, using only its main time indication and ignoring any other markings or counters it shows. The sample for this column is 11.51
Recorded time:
8.13
